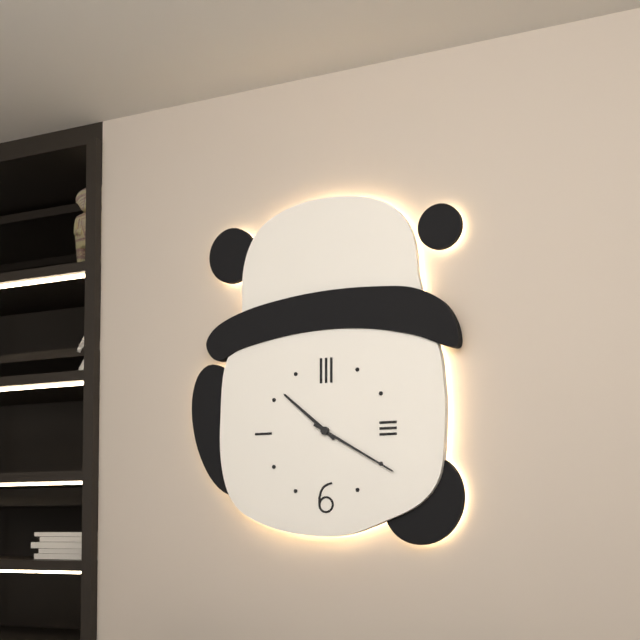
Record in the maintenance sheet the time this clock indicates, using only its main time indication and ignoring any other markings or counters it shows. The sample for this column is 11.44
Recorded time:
10.20
